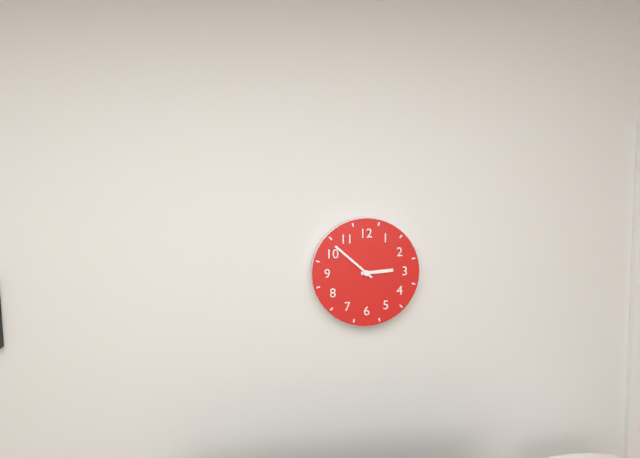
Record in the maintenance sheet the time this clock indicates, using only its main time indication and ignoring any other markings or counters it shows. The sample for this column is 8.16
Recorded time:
2.52
